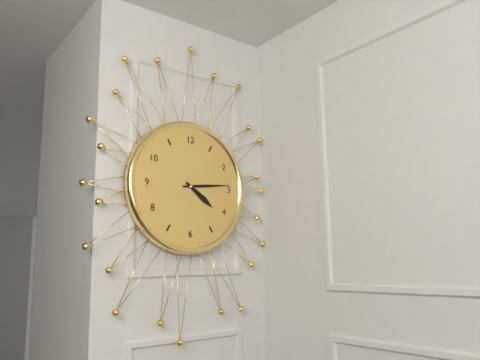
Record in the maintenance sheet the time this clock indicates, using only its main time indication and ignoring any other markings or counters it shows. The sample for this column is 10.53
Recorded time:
4.14
